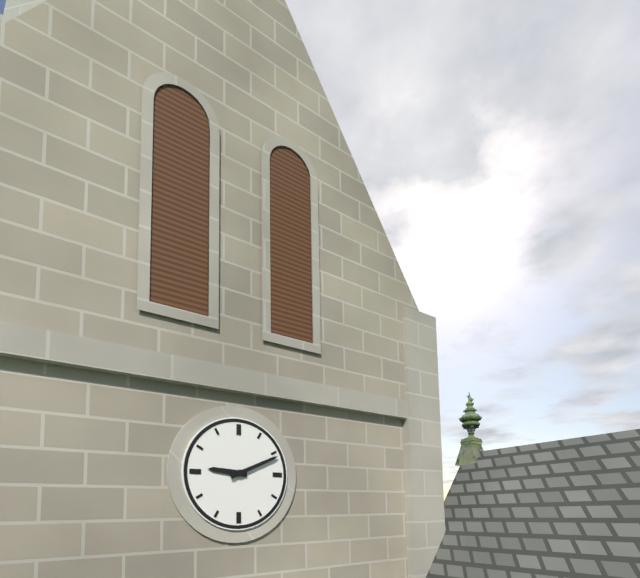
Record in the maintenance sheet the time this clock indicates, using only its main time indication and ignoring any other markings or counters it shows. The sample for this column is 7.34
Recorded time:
9.11
